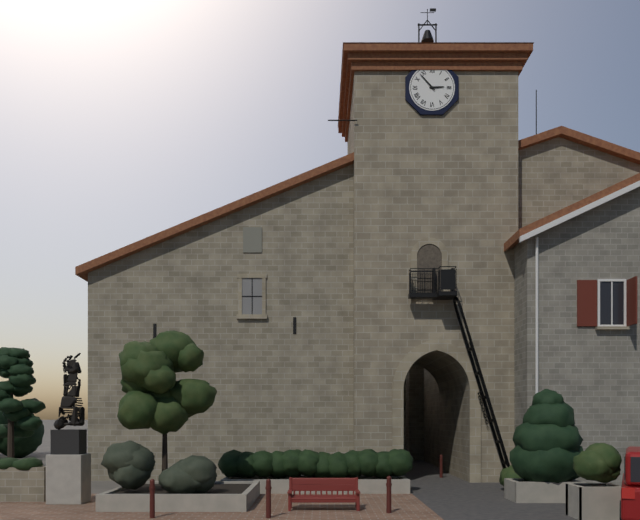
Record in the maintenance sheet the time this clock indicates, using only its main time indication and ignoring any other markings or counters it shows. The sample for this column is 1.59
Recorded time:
2.53
